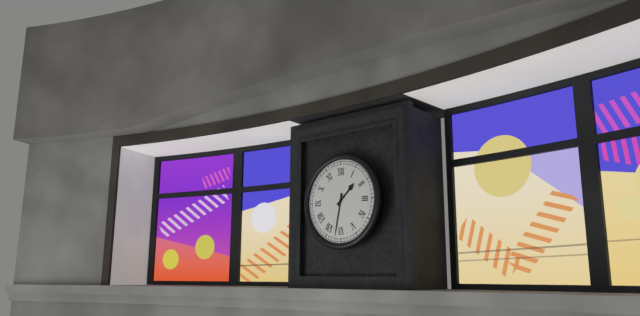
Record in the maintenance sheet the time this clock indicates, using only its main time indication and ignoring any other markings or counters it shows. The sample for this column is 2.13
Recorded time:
1.32
